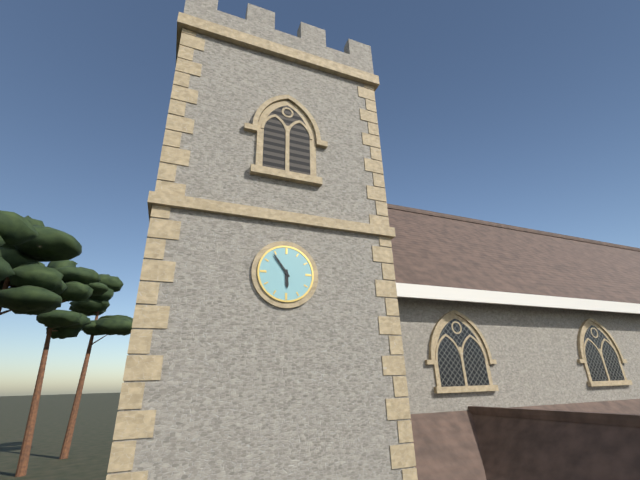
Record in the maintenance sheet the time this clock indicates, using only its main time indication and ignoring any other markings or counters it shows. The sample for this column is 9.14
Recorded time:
5.54
